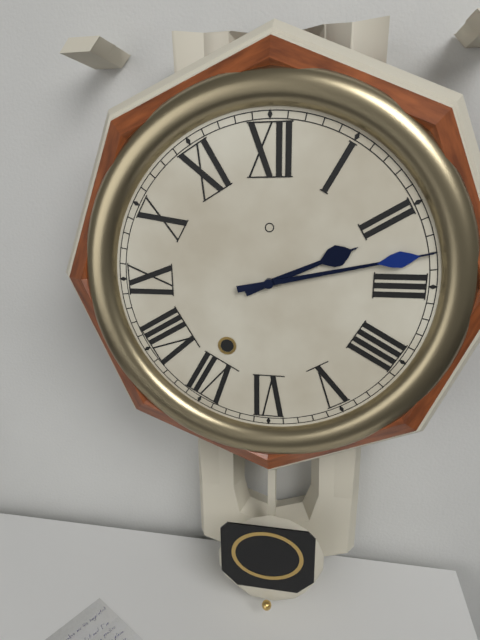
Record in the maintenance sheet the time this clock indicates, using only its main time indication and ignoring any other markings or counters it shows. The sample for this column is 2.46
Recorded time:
2.13
